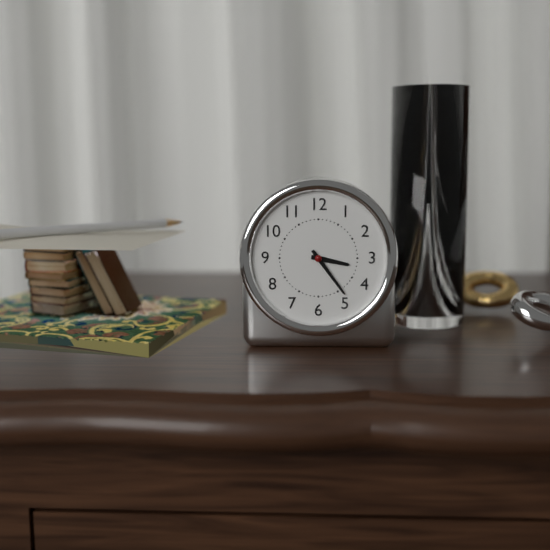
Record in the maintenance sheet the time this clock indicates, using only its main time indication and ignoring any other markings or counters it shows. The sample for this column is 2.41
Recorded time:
3.24
